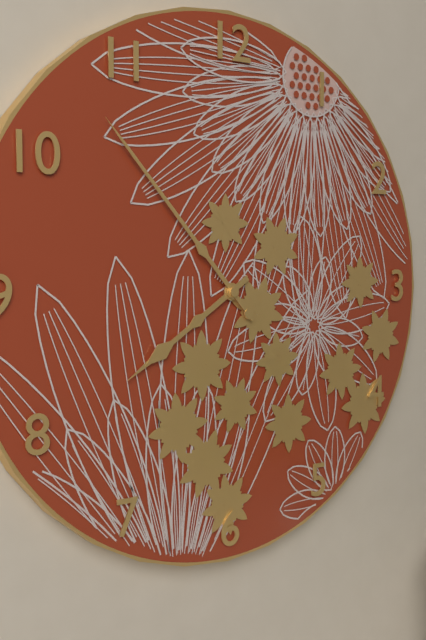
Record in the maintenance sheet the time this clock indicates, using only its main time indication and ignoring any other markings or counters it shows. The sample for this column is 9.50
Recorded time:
7.53
